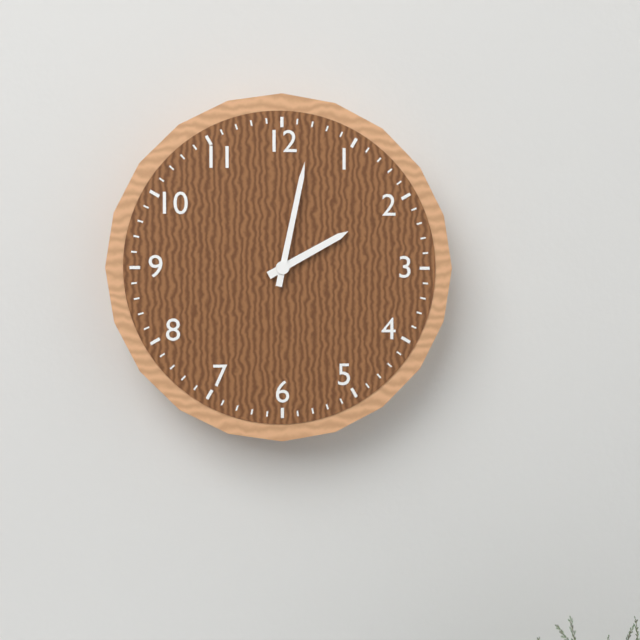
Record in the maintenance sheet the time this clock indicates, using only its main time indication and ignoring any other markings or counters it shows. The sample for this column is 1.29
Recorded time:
2.02
